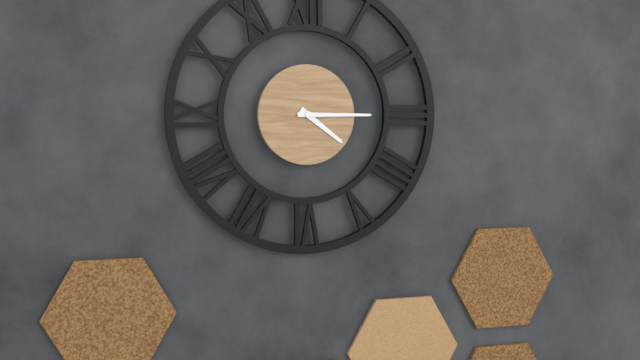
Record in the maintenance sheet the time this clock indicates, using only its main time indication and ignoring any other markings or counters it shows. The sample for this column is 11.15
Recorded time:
4.15
